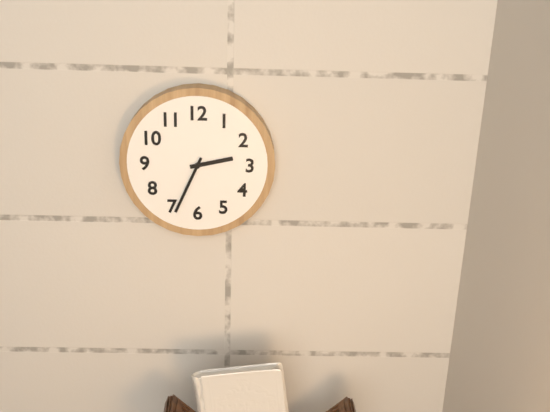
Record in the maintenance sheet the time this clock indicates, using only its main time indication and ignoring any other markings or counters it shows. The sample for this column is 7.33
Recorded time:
2.34
